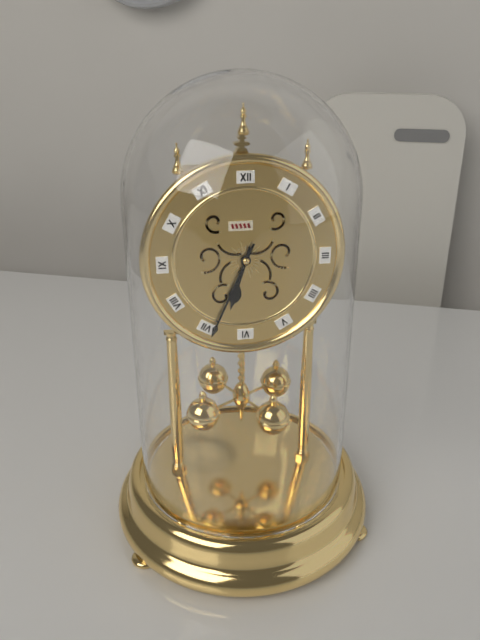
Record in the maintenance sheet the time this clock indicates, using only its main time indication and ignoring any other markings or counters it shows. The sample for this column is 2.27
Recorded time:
6.34
